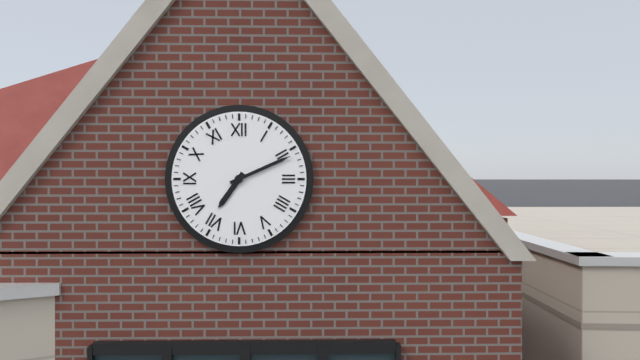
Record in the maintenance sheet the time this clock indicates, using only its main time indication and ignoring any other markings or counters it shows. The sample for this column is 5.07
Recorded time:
7.11
